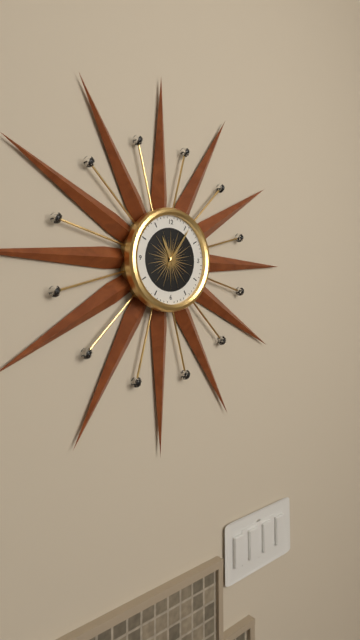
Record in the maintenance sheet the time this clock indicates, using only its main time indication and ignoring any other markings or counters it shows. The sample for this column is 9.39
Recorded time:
11.06
